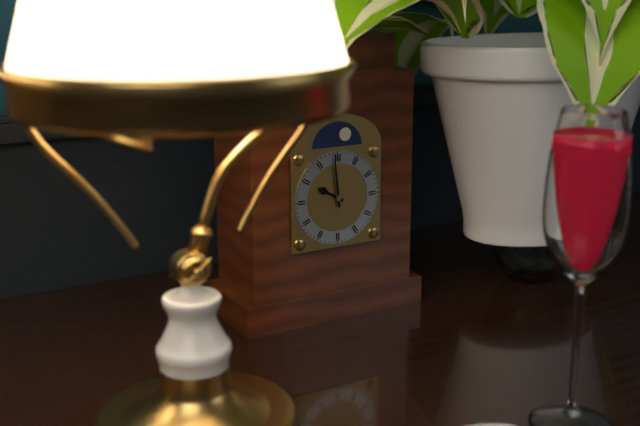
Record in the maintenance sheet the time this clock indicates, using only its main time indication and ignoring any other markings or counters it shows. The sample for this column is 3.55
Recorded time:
9.59
